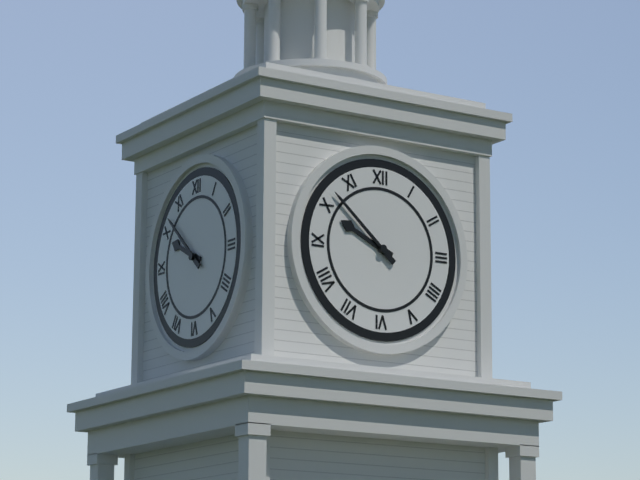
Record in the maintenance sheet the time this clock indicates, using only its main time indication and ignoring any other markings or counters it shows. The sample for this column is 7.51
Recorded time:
9.52
